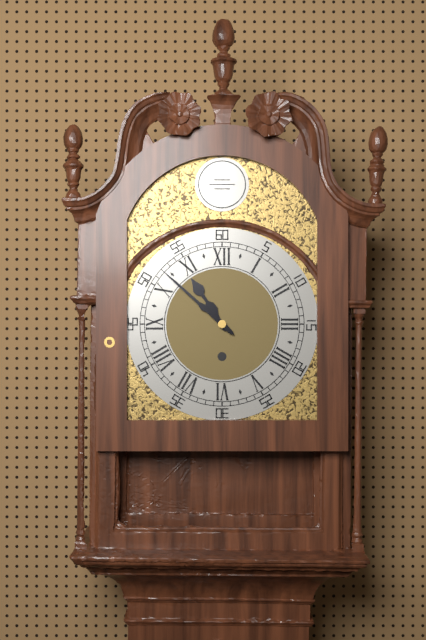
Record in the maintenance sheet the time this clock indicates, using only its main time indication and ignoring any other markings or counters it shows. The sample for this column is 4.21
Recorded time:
10.52
